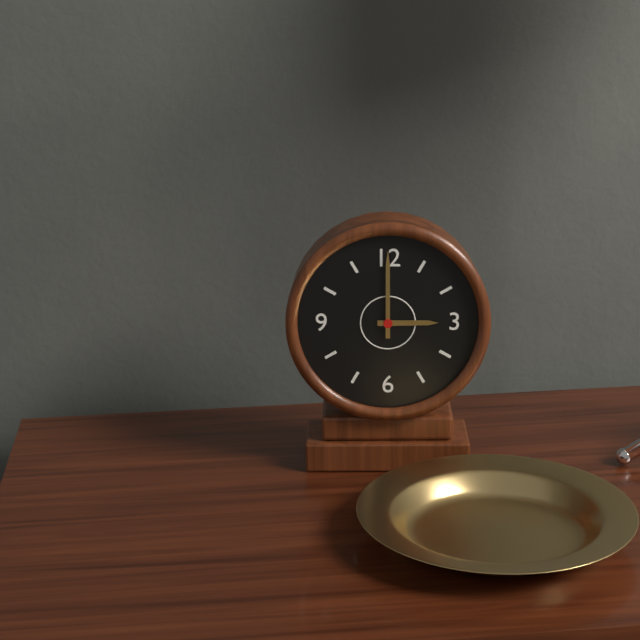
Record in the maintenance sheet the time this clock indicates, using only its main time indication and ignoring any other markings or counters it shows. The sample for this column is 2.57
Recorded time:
3.00
